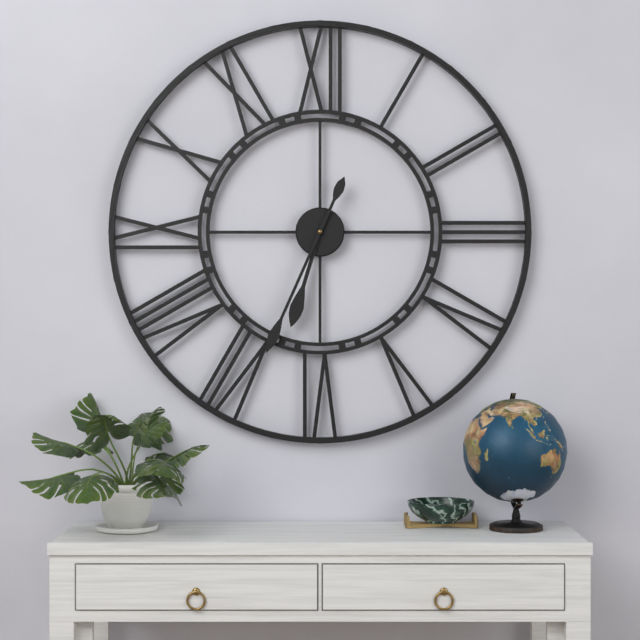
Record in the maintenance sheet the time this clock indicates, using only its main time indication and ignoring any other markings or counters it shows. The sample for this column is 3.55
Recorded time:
6.34
